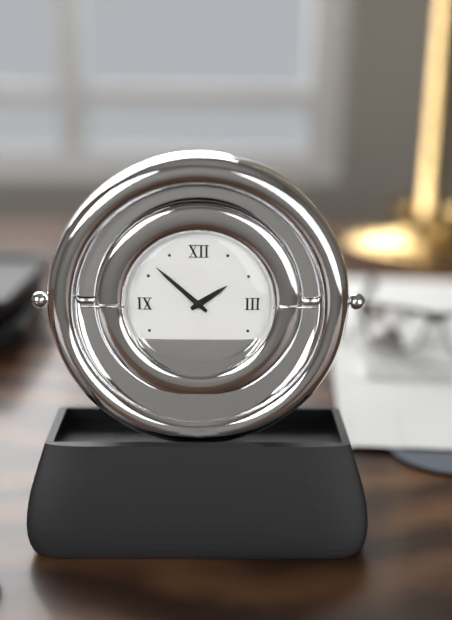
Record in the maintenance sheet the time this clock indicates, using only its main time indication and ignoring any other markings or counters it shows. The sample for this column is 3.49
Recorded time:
1.52
